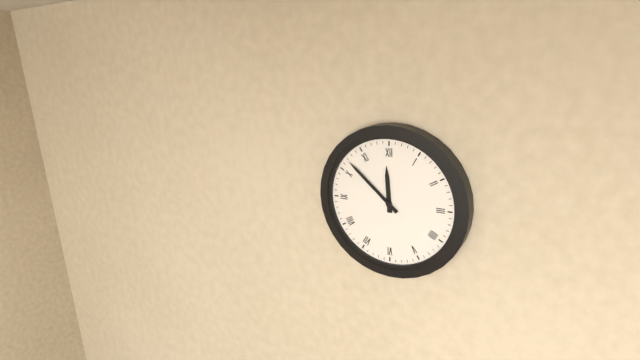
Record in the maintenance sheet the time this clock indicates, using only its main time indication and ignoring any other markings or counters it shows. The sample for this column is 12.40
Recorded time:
11.52
